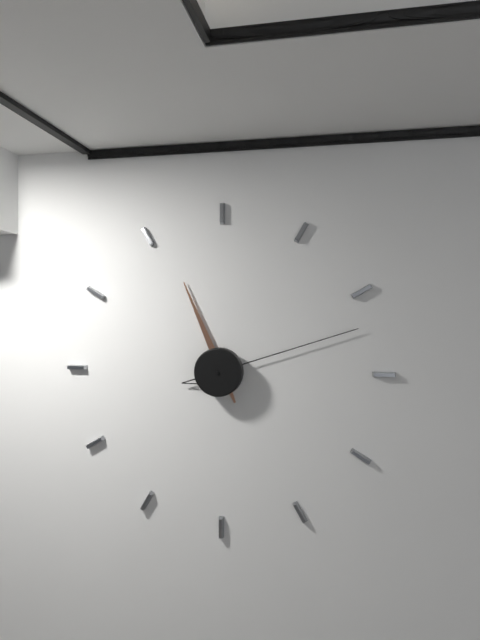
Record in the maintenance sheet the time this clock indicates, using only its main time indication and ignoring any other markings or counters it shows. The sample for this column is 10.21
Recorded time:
11.12
